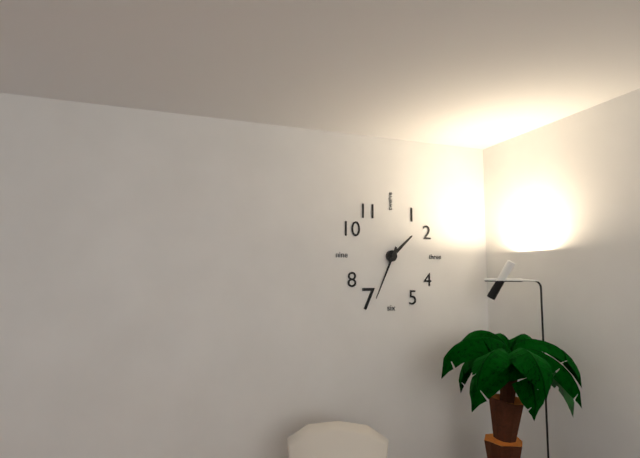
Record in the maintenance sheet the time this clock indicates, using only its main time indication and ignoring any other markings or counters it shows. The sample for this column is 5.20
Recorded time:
1.34
